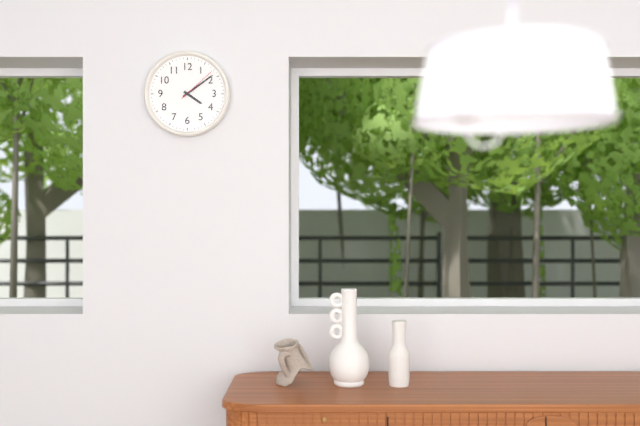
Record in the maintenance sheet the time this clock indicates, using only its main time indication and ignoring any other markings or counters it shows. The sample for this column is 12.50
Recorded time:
4.09
